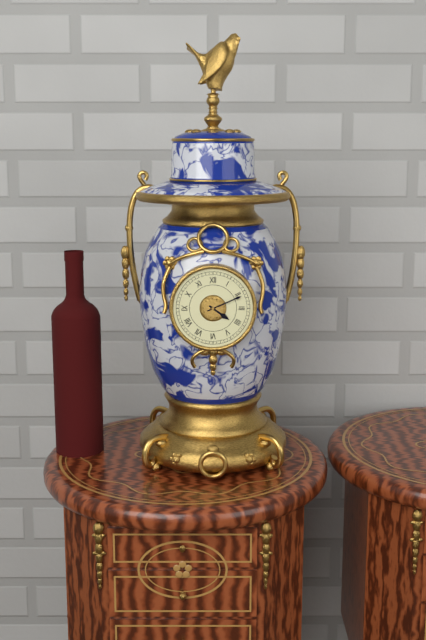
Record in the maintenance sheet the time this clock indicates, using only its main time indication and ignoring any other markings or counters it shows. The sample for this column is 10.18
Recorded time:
4.11
